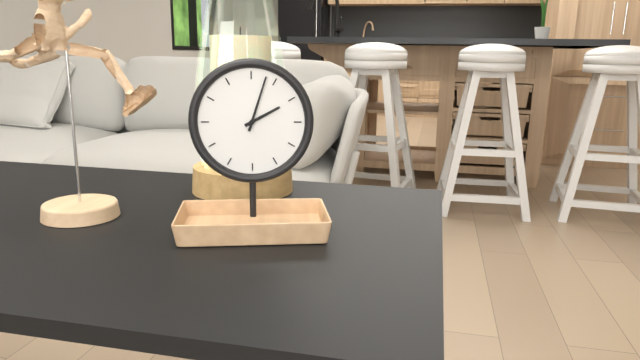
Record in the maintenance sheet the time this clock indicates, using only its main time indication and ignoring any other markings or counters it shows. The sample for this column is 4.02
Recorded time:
2.03
